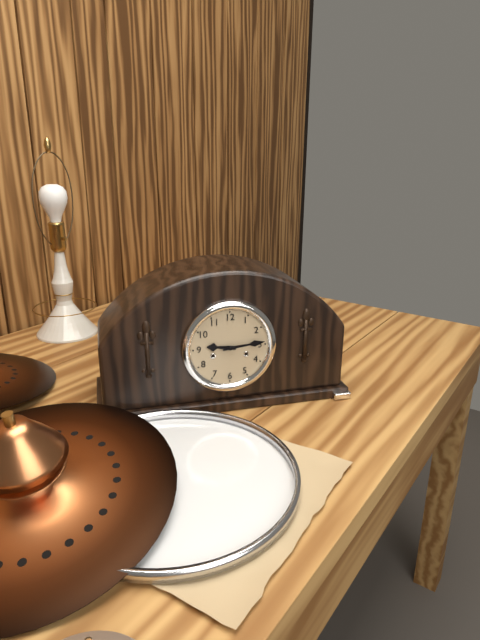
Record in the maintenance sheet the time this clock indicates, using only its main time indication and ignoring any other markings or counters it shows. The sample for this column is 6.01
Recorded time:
9.14
